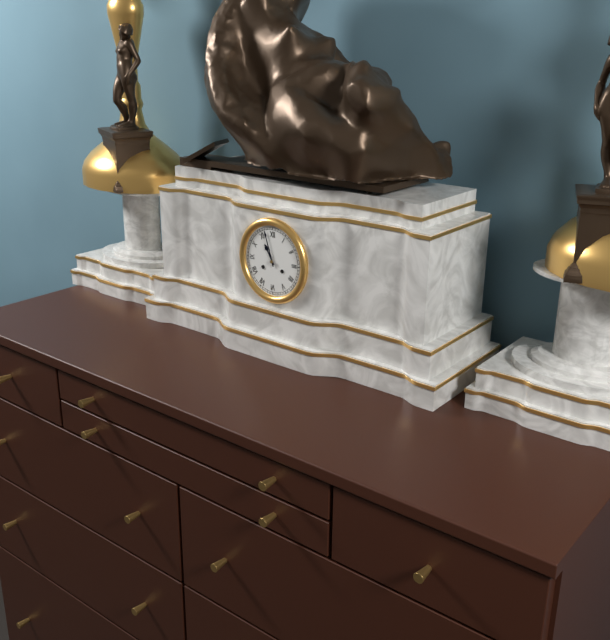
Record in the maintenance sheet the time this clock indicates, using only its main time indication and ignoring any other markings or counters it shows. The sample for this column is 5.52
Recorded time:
10.57
